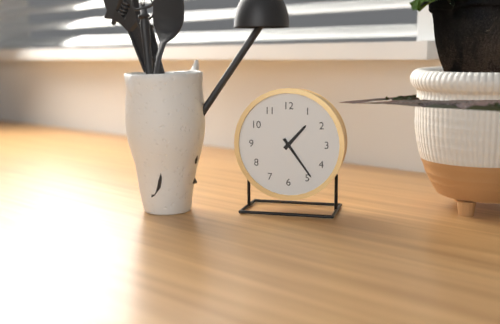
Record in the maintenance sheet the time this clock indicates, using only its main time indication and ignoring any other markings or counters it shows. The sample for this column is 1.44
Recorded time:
1.24
